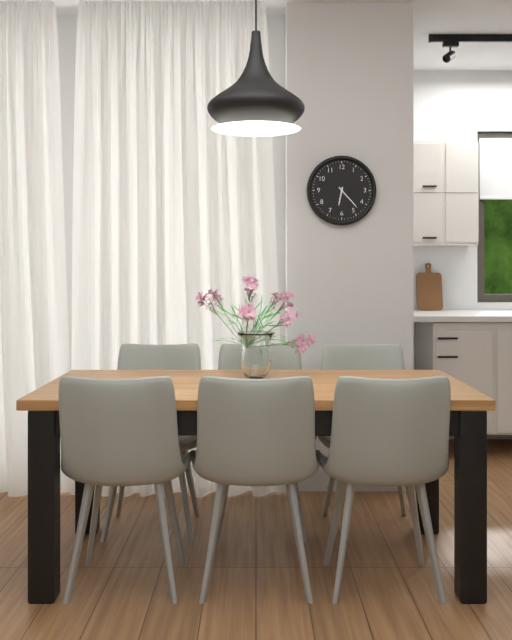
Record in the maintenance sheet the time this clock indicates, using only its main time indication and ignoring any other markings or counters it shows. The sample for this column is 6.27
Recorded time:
6.23
